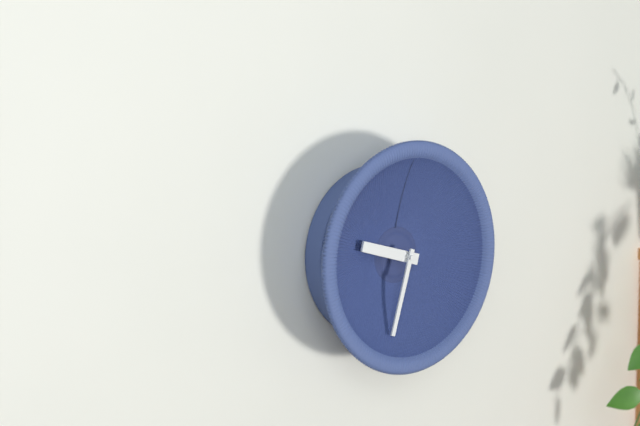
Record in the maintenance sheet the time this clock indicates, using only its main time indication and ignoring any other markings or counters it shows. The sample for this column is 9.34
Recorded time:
9.33
